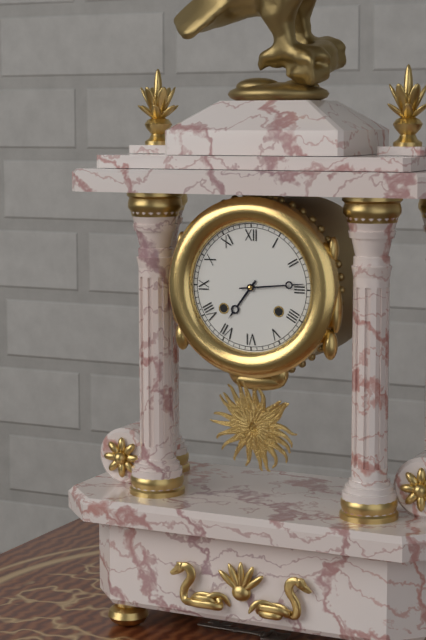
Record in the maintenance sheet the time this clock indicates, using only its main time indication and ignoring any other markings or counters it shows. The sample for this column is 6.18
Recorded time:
7.14
